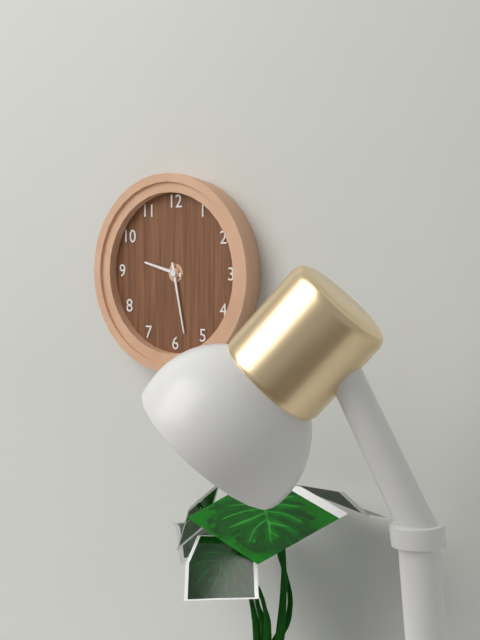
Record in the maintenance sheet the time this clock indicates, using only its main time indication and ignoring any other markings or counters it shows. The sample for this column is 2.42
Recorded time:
9.28
